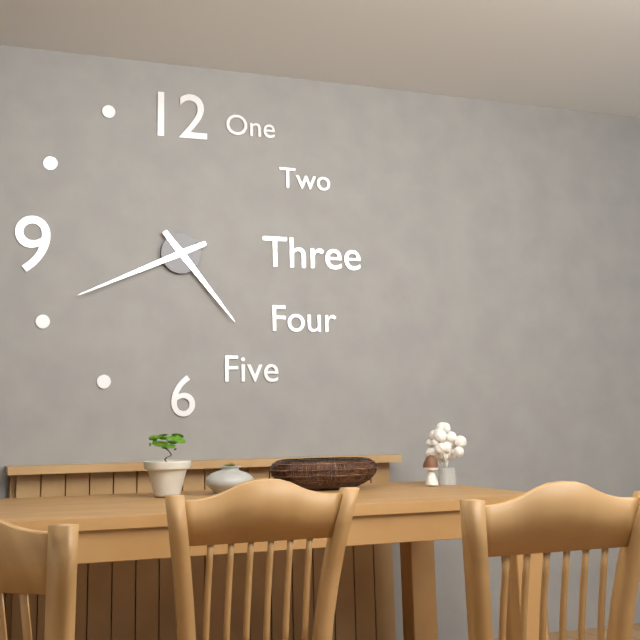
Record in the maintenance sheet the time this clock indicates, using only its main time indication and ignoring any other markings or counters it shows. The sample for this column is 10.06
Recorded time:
4.41
